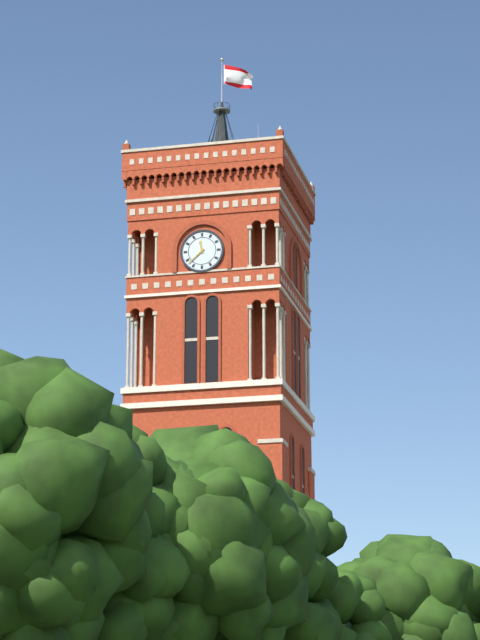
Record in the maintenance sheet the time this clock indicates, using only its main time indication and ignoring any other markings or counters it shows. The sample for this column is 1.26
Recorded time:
11.38
